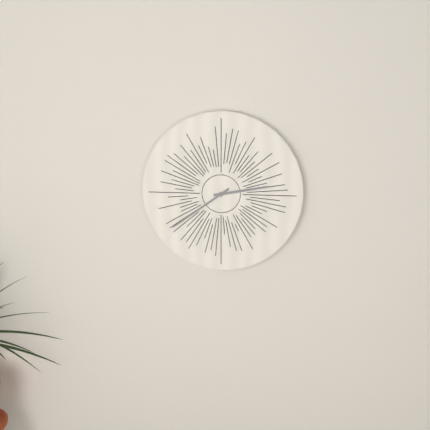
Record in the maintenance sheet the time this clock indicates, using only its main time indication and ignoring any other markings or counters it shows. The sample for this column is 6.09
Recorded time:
2.39
